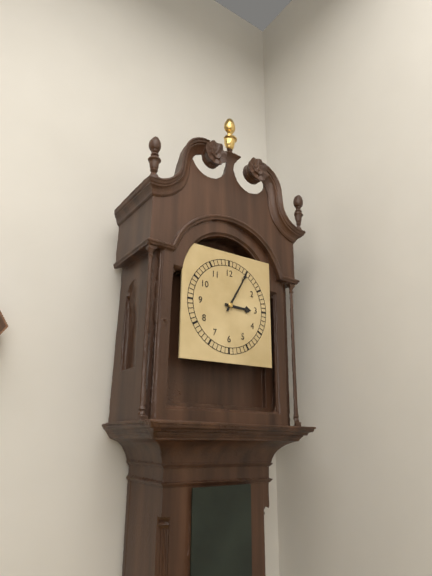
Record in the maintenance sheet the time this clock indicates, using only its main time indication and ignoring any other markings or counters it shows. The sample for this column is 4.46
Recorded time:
3.05
